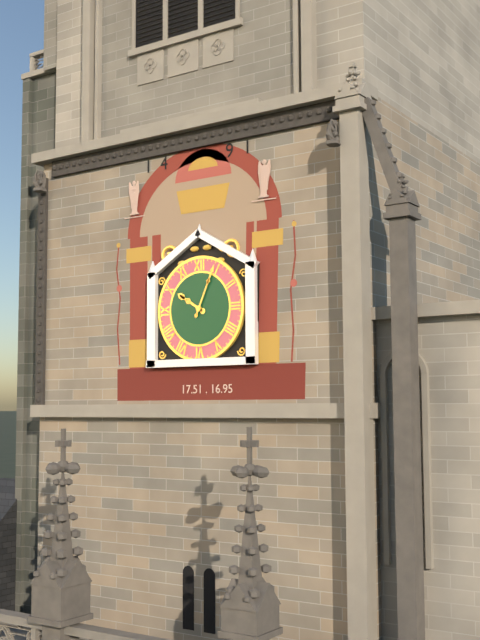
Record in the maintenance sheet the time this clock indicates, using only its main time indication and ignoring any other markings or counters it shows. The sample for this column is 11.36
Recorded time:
10.04
